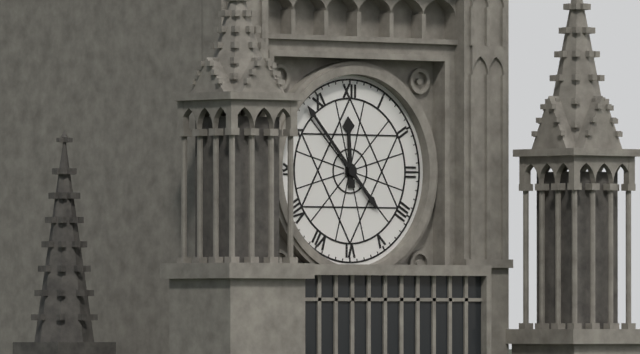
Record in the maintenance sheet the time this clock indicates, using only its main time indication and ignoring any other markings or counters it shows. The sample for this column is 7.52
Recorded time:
11.53
